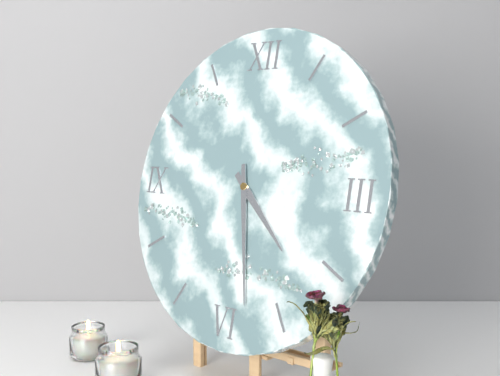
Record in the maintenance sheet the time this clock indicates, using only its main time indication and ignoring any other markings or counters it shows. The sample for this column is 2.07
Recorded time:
4.28
